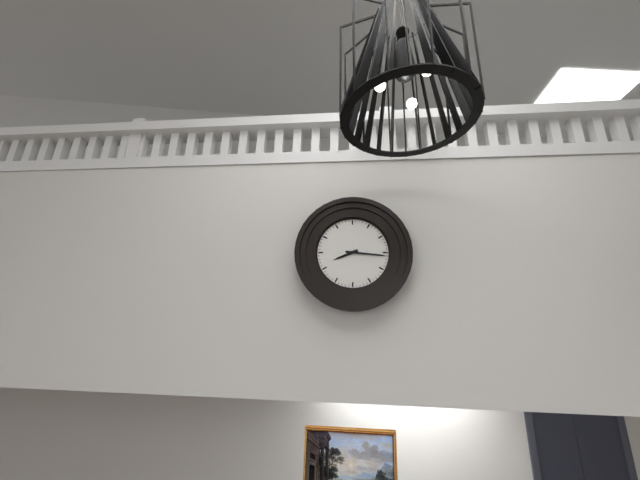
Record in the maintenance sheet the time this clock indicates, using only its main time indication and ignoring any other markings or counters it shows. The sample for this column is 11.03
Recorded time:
8.16
